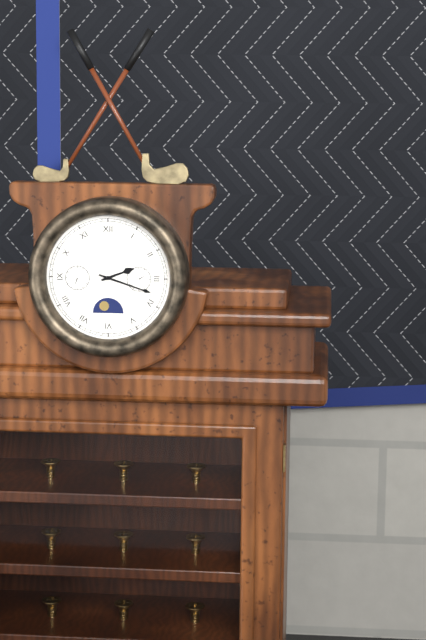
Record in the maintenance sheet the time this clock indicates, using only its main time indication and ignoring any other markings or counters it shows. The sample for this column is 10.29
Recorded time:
2.18
